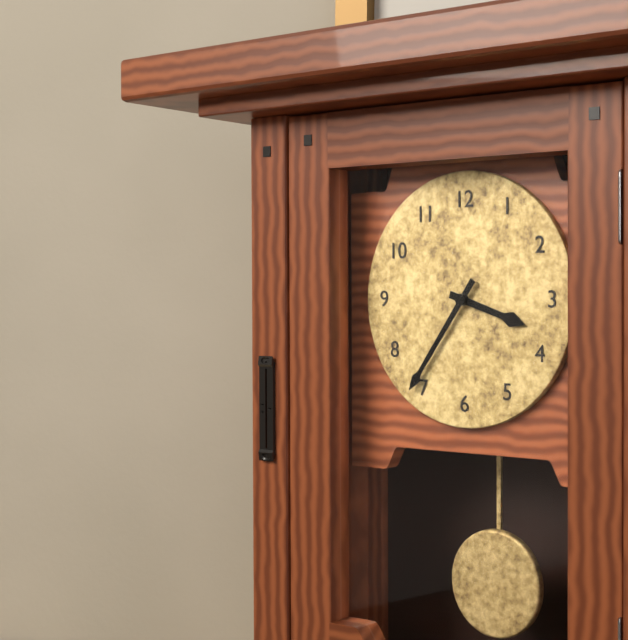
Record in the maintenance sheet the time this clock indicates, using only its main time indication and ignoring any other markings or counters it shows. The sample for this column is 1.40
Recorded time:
3.36
